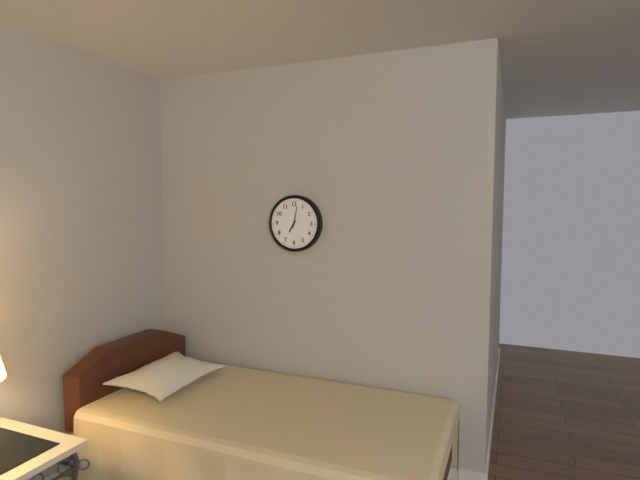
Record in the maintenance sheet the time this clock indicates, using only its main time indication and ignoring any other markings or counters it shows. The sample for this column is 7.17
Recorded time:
7.02
